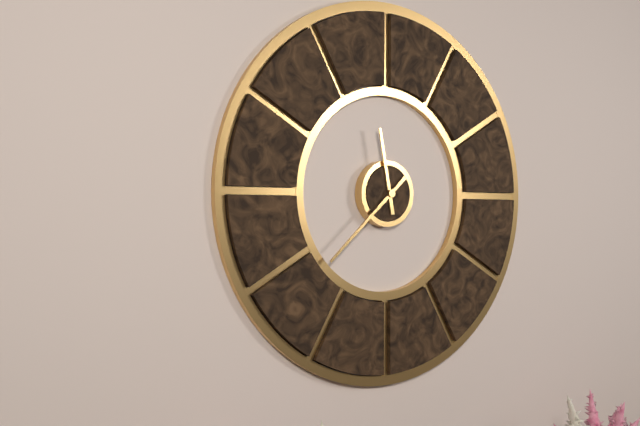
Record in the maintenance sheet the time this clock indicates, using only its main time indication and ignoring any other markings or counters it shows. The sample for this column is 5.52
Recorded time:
11.38
